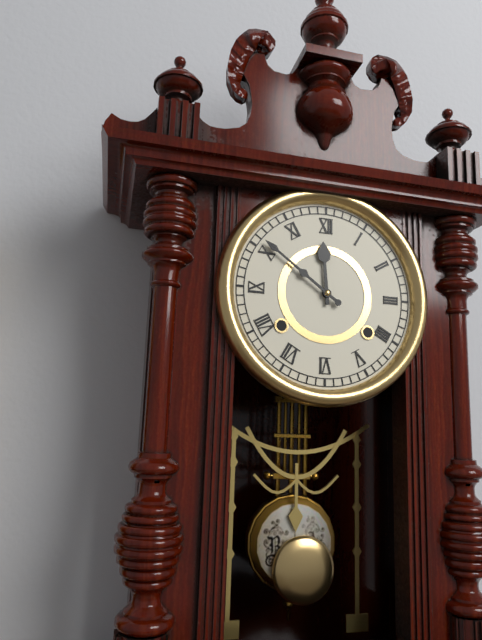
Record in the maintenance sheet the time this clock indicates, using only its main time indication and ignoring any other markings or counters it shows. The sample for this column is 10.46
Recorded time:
11.51
